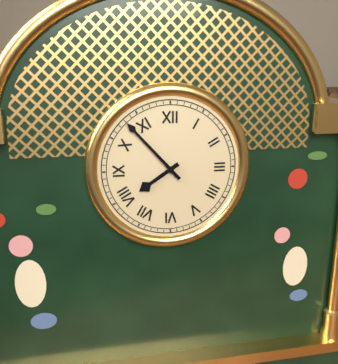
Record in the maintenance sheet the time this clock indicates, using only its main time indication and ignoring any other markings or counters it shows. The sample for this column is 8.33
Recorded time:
7.53
